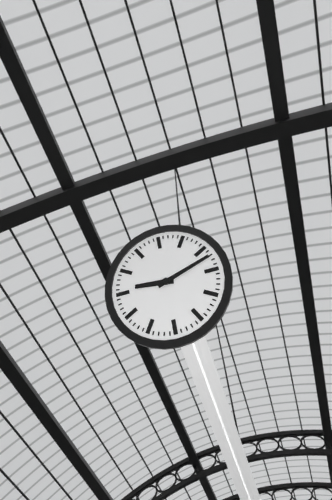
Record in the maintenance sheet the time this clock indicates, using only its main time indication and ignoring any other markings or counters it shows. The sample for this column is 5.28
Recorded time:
9.12
